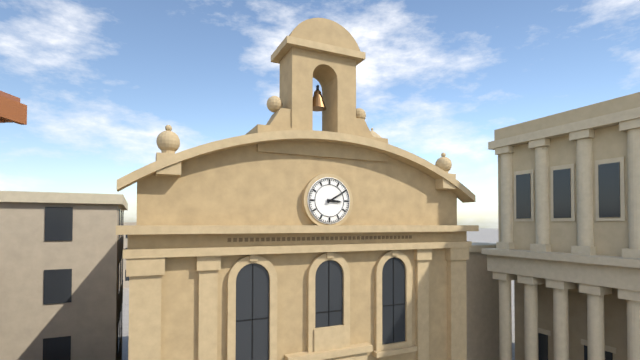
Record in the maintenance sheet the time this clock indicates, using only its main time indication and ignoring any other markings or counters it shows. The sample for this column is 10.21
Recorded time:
3.10
